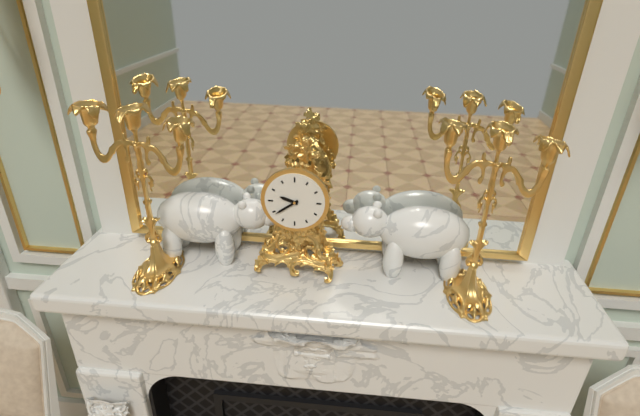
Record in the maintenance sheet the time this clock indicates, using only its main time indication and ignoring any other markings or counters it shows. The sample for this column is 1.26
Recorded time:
9.39
